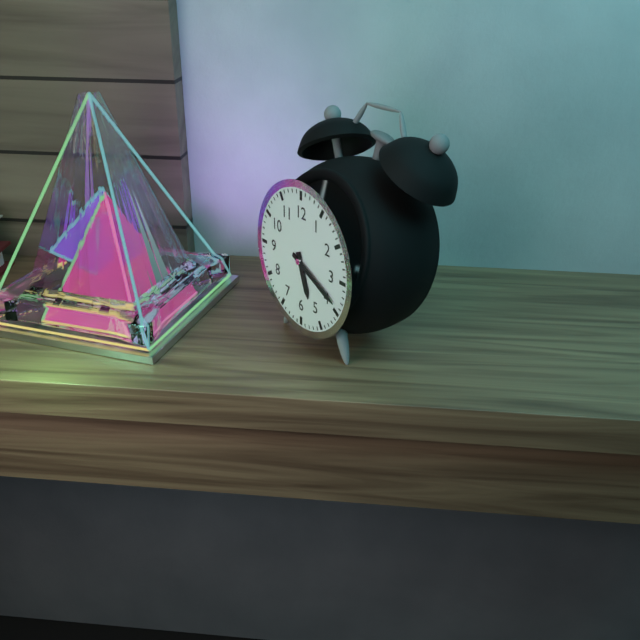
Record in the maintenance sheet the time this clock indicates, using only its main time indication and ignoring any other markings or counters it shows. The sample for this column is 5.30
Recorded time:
5.19
